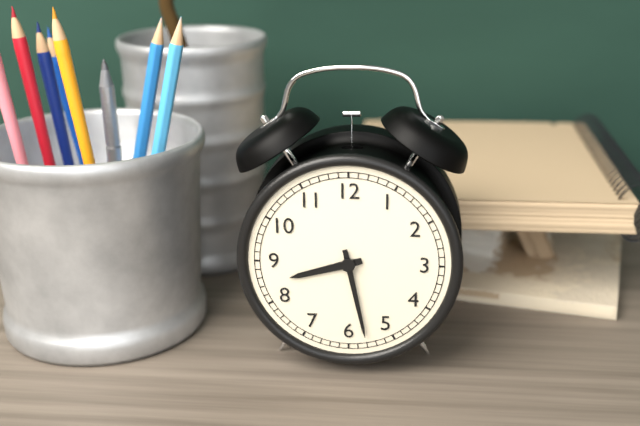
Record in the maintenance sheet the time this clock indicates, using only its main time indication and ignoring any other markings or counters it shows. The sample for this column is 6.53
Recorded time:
8.28
